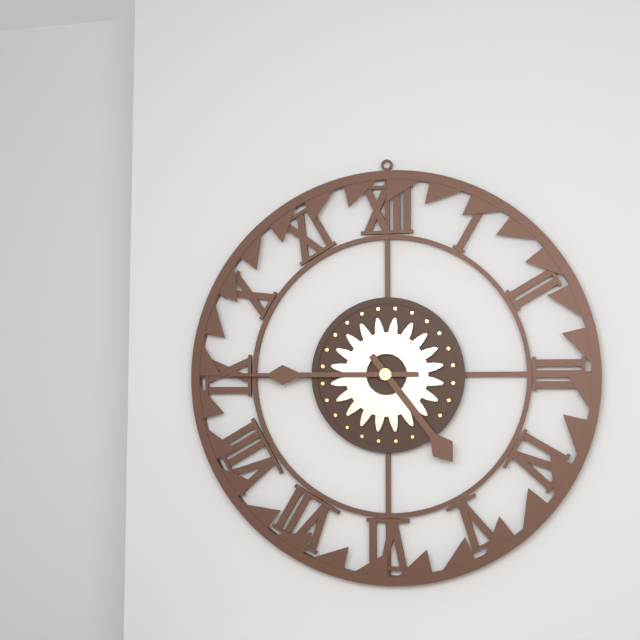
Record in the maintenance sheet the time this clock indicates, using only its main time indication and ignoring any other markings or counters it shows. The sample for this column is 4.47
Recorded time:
4.45
